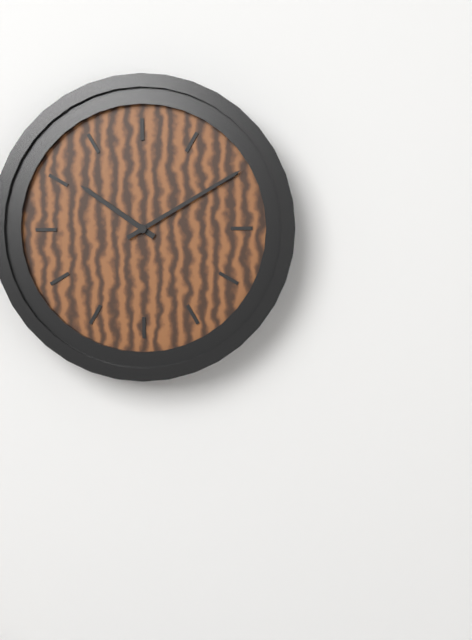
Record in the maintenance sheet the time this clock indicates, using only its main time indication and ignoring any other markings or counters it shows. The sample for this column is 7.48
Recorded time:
10.10
